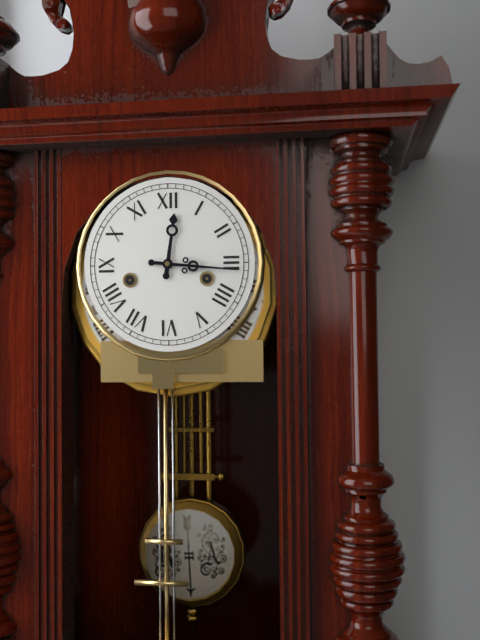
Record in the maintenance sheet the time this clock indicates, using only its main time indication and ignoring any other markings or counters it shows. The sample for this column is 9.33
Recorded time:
12.16
